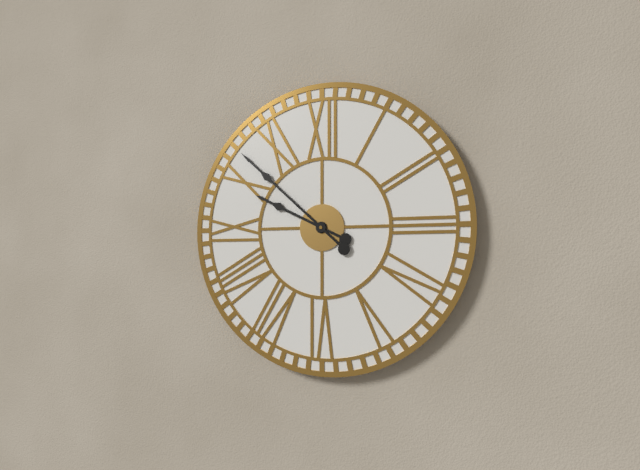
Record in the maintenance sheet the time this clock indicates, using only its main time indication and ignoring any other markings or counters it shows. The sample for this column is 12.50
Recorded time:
9.52
